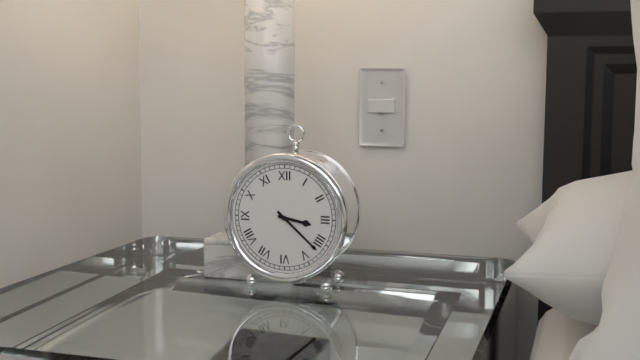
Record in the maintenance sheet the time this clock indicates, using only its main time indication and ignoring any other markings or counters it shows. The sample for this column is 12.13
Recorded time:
3.22
